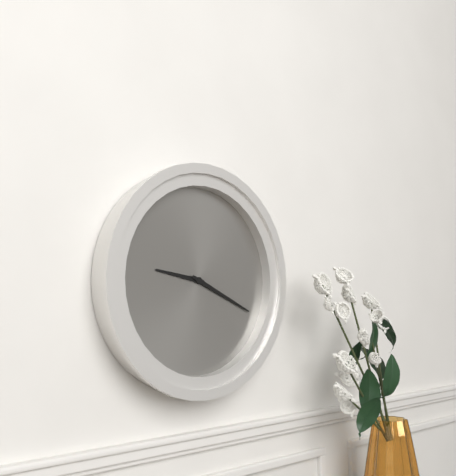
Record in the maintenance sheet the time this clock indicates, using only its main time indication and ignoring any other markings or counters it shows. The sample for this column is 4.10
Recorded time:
9.19
